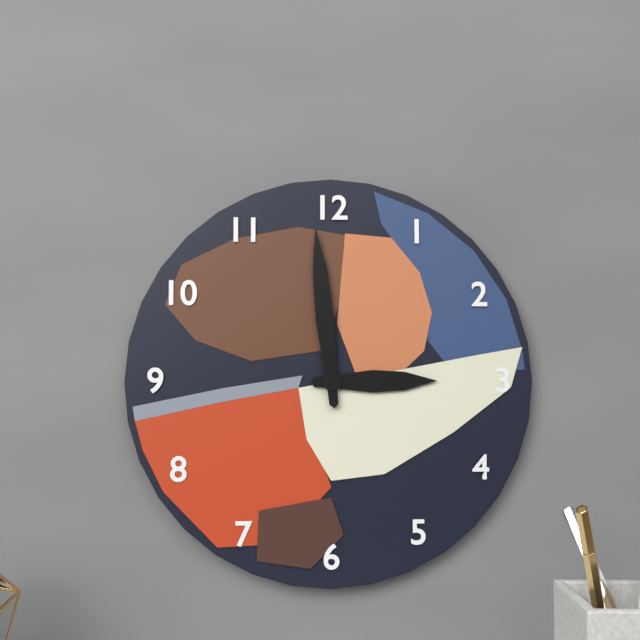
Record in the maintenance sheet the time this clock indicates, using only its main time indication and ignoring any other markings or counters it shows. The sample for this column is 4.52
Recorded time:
2.59
